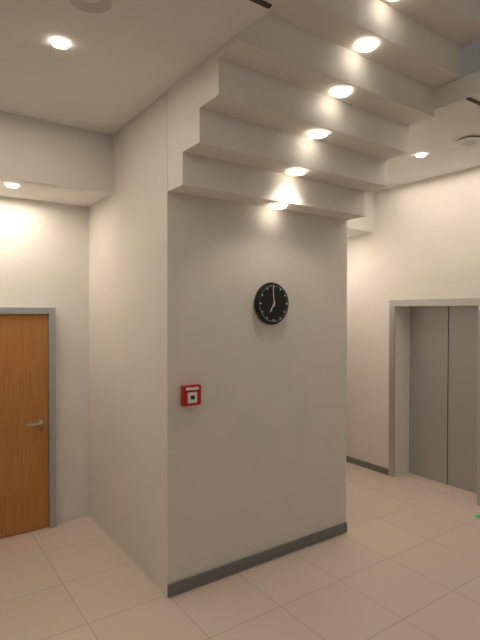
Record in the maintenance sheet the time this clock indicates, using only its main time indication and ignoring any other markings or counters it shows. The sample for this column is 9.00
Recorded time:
6.59
